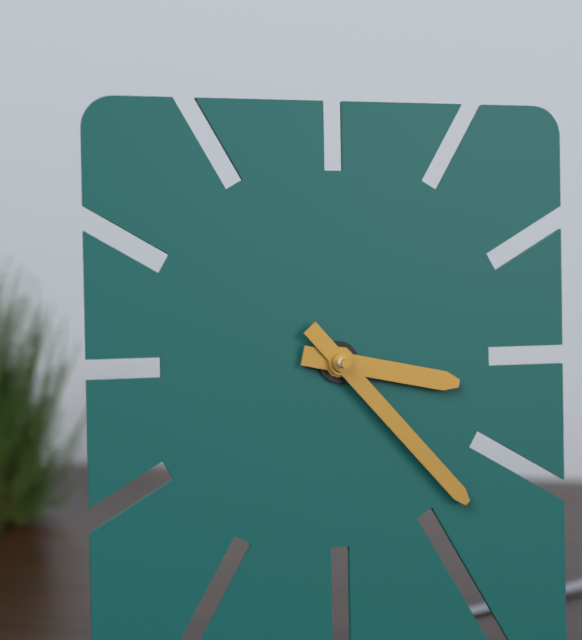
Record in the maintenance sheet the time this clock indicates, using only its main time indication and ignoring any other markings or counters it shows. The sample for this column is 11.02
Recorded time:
3.23
